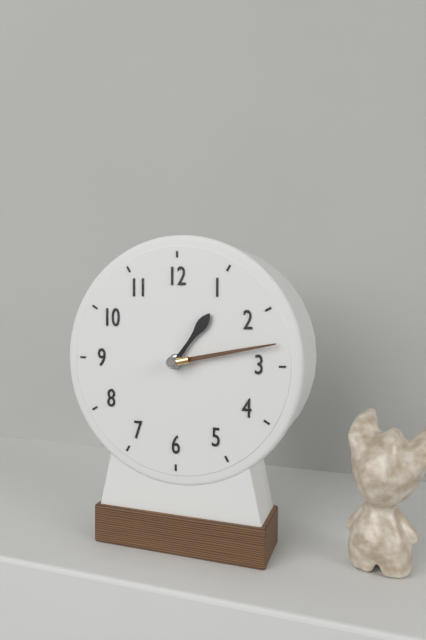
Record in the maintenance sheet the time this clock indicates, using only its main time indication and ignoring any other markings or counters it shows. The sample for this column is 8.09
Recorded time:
1.13
